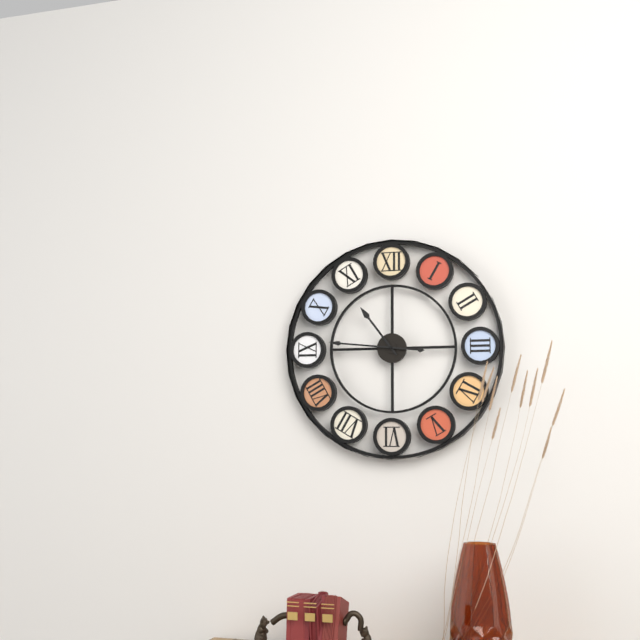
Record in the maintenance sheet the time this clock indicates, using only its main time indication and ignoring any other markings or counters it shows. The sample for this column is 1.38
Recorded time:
10.46
